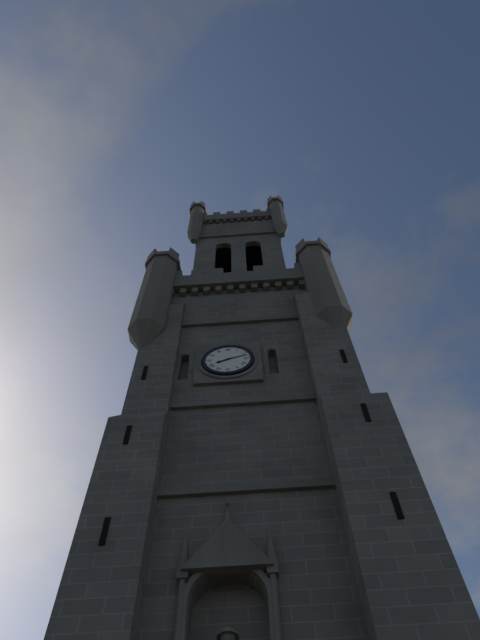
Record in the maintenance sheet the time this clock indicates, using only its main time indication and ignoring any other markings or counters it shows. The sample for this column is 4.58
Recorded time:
8.12
